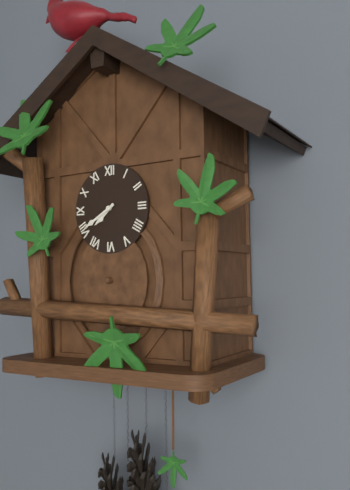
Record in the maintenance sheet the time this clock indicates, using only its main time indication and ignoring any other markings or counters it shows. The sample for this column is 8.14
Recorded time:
7.40
